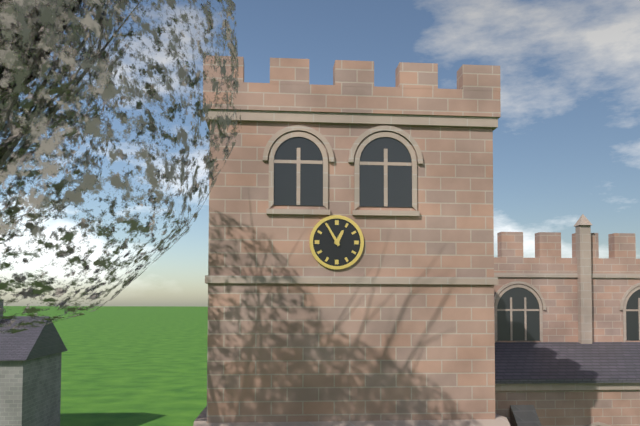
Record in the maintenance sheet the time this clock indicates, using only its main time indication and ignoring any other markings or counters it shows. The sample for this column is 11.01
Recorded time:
12.55
